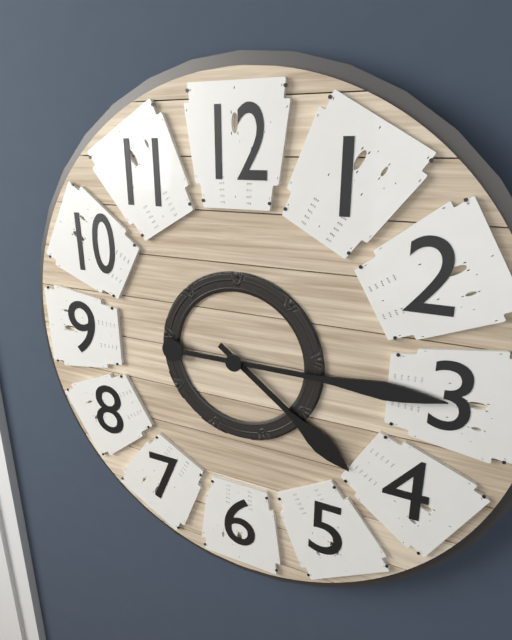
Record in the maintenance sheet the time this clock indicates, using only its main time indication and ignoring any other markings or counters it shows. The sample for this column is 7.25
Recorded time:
4.15
